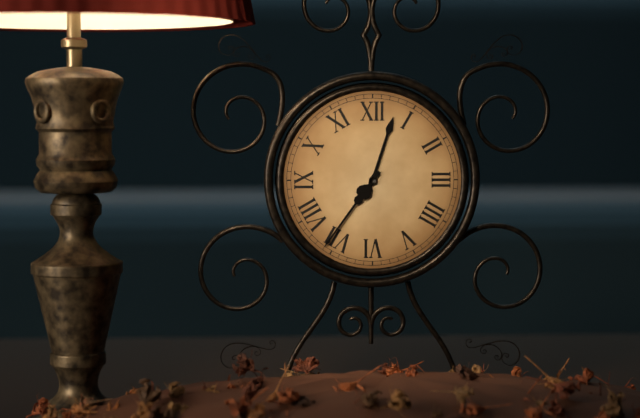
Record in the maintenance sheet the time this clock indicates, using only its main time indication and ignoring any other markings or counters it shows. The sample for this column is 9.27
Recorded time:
12.36
